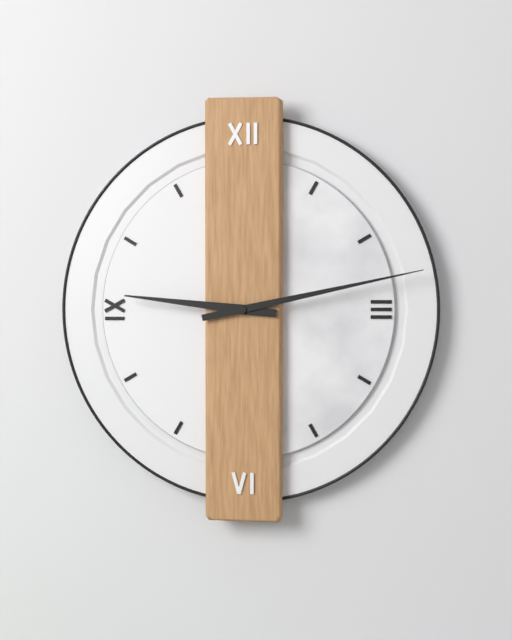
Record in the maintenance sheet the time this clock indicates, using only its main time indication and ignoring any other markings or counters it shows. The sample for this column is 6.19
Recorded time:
9.13
